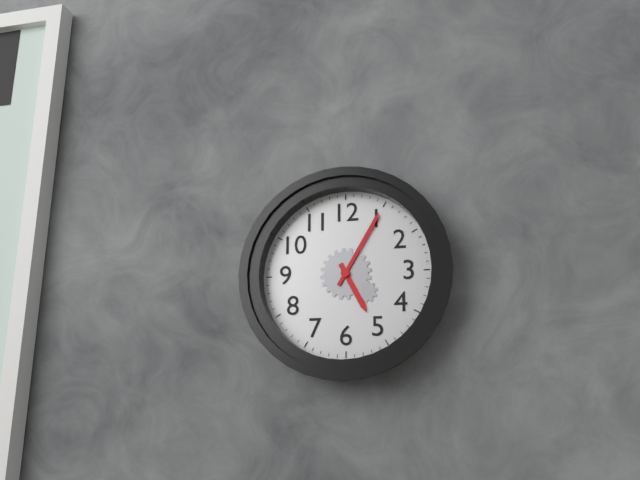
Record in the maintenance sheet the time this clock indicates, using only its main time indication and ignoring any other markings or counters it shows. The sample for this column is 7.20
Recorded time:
5.05
